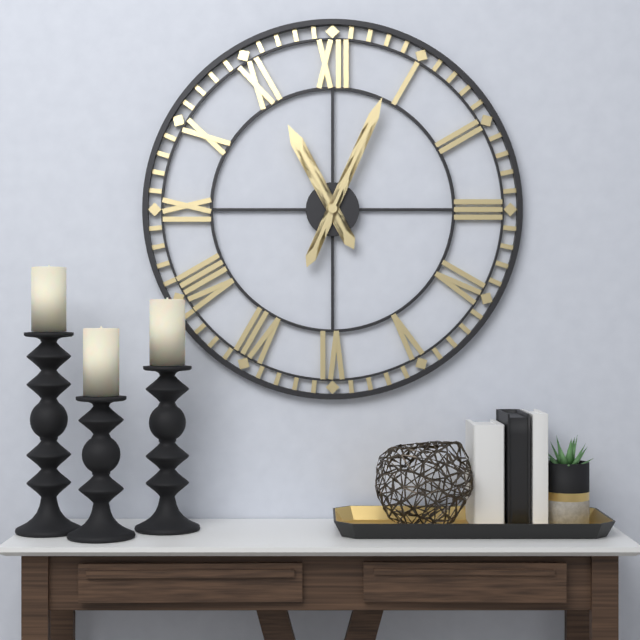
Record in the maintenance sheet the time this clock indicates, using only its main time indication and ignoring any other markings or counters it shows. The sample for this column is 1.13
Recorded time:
11.04
